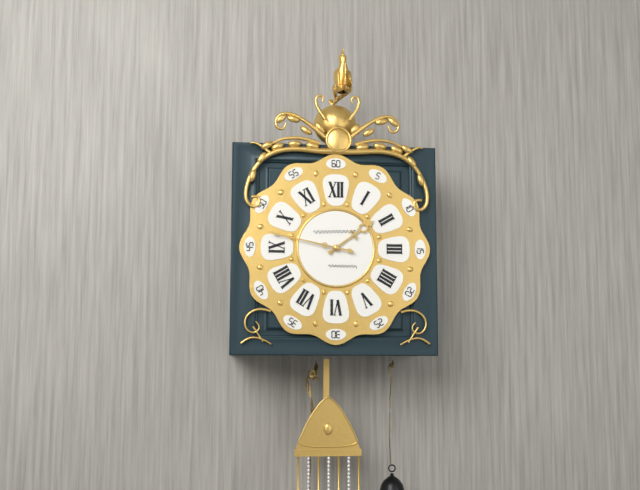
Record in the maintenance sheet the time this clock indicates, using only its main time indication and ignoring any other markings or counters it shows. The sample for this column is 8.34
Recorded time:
1.47
